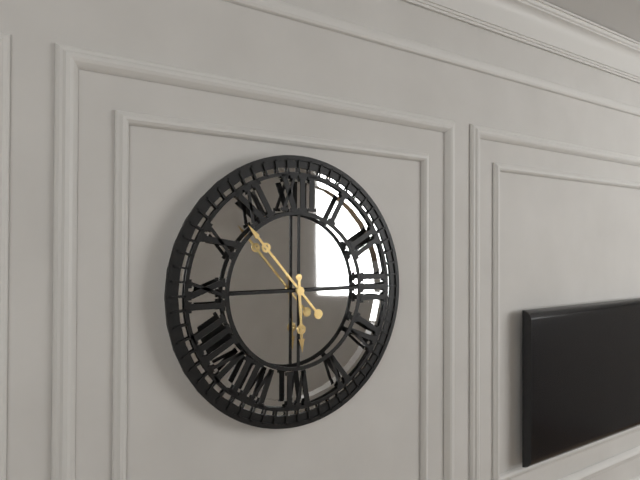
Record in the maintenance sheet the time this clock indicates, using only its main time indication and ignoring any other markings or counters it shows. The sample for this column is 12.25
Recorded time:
5.53
